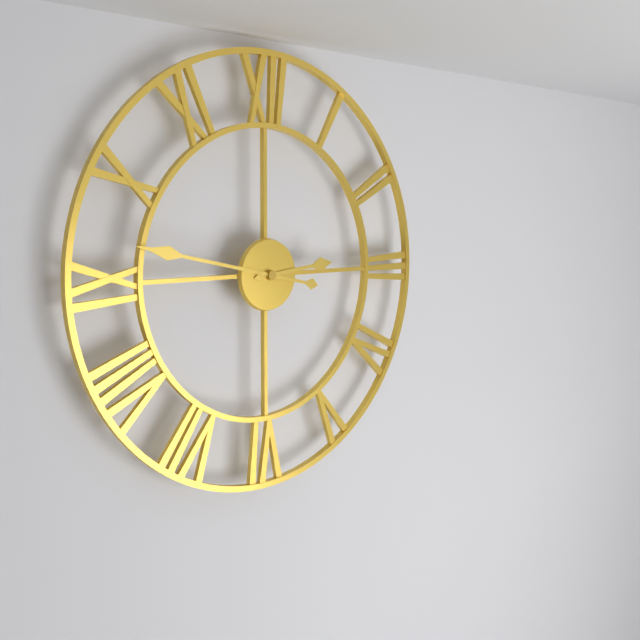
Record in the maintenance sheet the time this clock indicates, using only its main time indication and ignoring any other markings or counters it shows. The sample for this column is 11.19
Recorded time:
2.47
